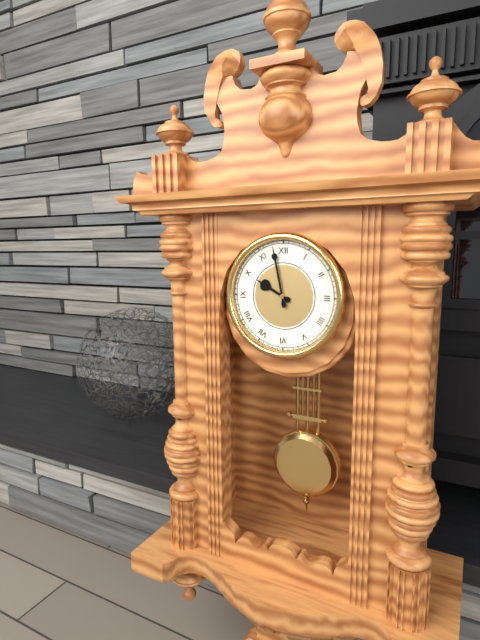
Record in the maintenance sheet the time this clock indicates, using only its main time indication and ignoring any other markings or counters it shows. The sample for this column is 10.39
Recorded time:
9.58
